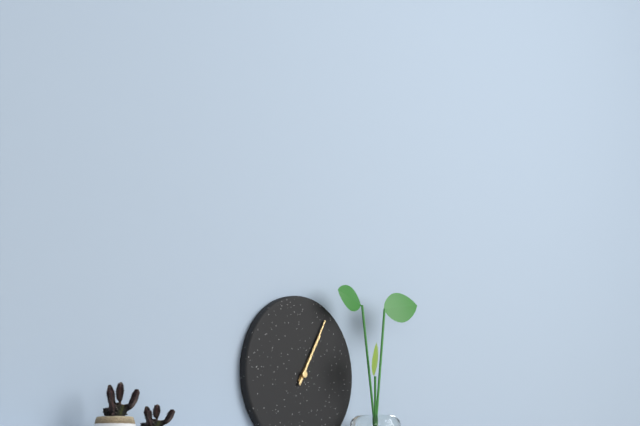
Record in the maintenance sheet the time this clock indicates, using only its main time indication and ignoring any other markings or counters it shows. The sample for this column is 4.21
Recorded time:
1.05
